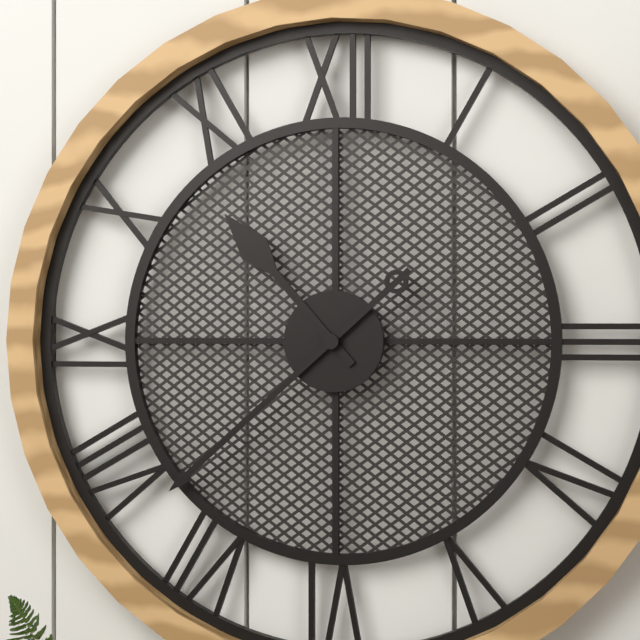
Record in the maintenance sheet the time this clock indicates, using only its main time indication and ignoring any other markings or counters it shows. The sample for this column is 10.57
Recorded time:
10.38
